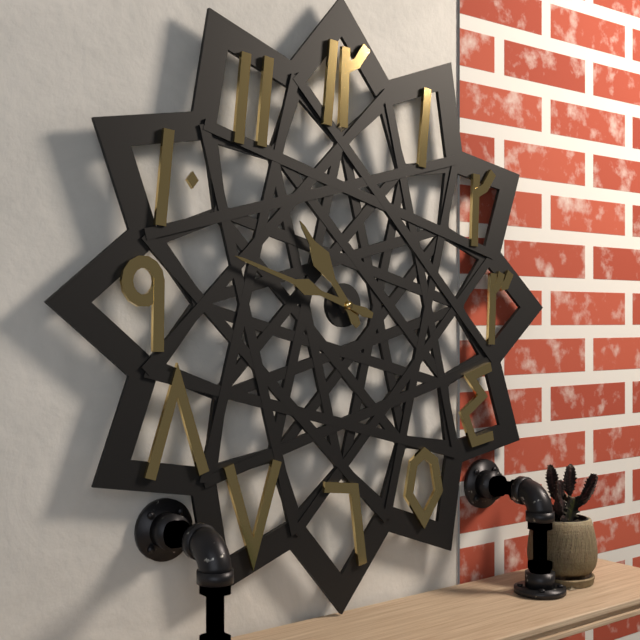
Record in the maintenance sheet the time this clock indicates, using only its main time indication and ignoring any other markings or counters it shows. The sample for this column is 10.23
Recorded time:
10.48
